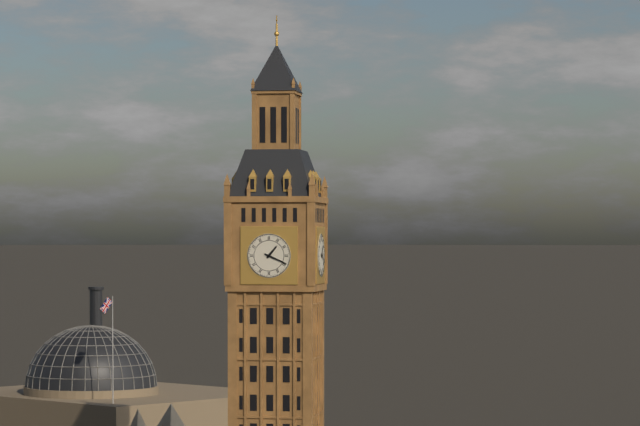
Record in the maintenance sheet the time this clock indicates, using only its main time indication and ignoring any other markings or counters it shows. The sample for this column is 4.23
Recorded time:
1.19
